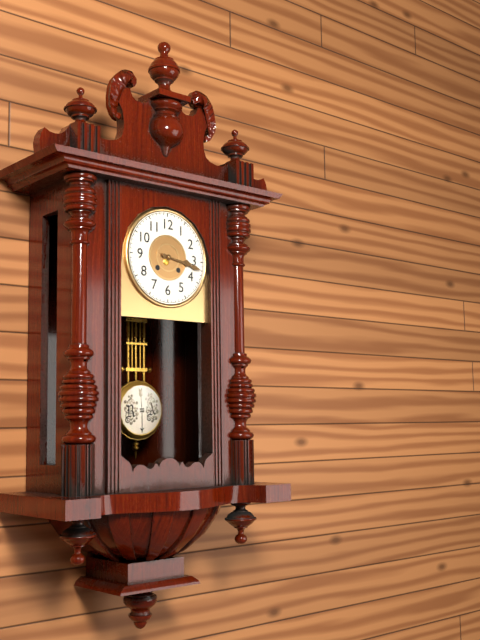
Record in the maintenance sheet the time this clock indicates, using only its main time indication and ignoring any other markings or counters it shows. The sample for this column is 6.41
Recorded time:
3.17
